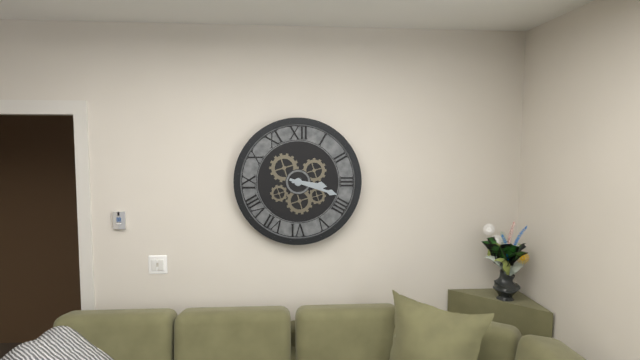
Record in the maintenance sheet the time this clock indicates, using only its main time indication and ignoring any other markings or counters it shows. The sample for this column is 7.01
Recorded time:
3.18
